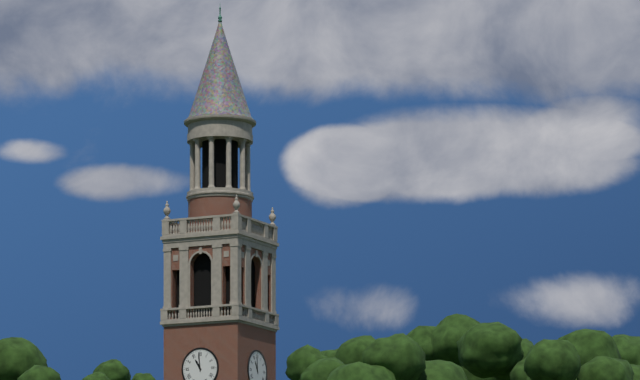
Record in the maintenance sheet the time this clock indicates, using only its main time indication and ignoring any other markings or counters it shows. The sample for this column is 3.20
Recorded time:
10.59
